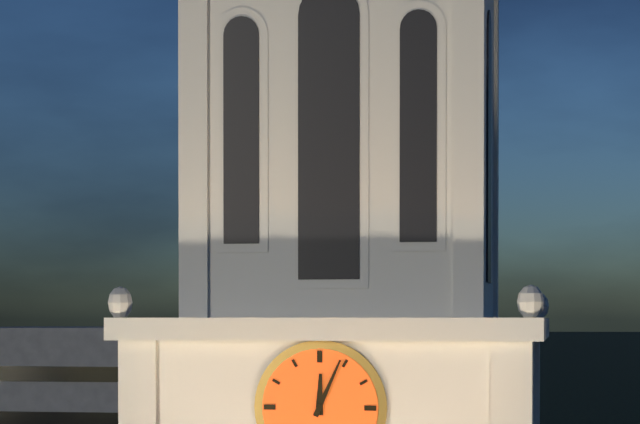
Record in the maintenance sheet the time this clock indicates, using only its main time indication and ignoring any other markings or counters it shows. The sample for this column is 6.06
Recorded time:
12.04
